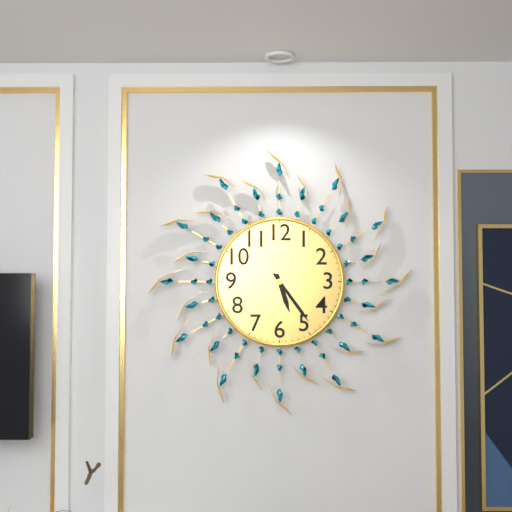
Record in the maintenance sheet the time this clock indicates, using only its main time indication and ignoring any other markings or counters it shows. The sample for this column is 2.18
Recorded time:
5.24
